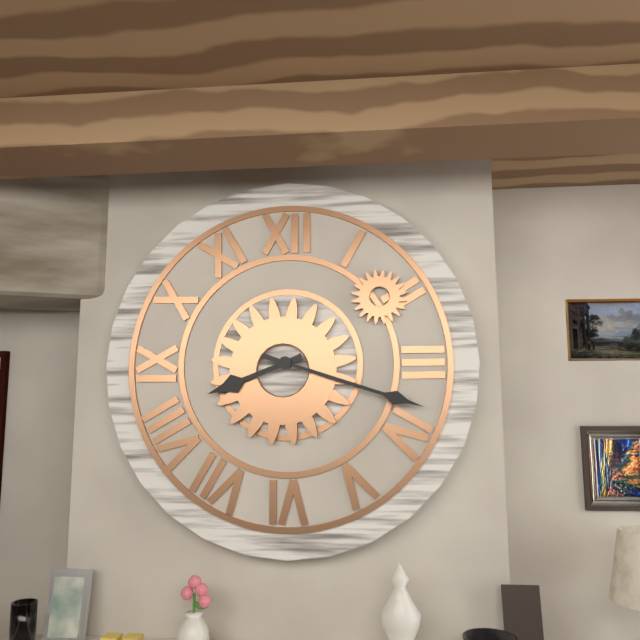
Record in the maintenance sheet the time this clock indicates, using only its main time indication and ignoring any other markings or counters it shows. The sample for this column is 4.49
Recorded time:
8.18
